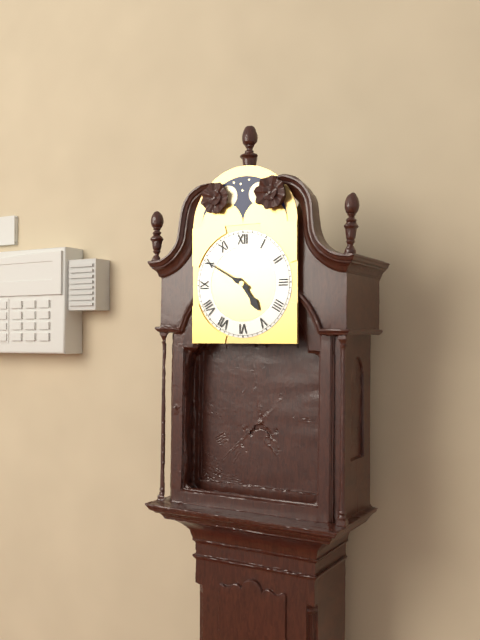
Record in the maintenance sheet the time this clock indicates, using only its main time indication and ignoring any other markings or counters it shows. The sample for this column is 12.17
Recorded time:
4.50
